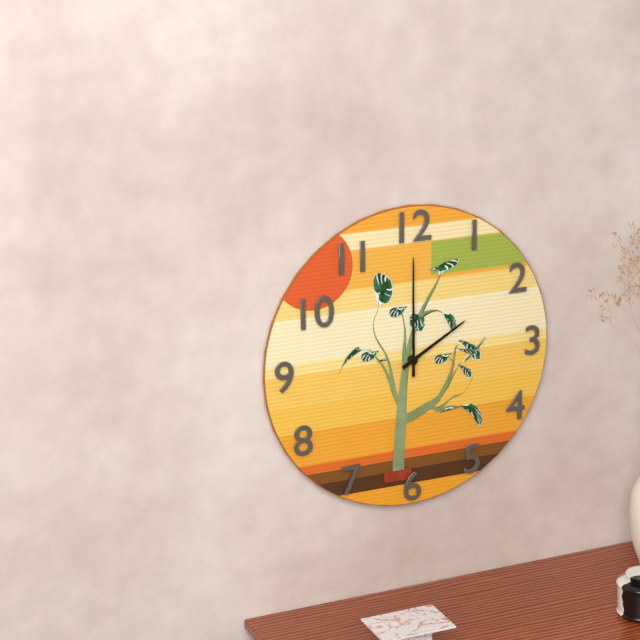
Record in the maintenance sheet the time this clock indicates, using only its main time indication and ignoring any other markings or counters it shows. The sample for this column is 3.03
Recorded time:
2.00
